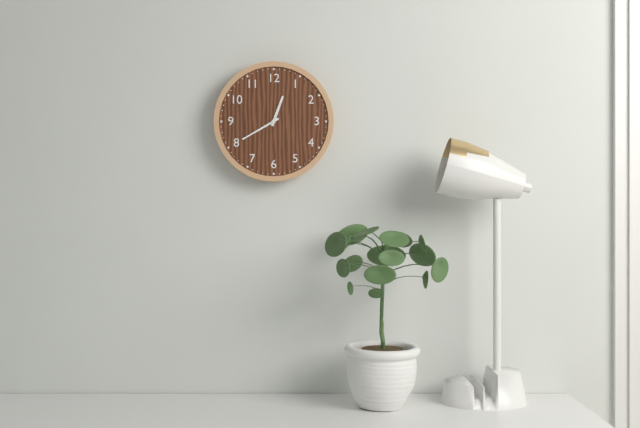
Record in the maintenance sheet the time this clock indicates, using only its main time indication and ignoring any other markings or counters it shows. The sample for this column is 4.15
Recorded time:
12.40
